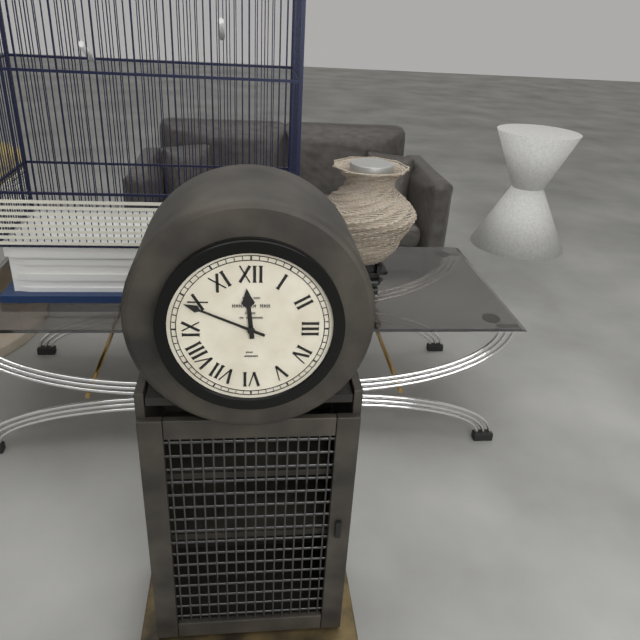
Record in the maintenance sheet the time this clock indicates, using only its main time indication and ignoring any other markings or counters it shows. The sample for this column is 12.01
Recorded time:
11.49
